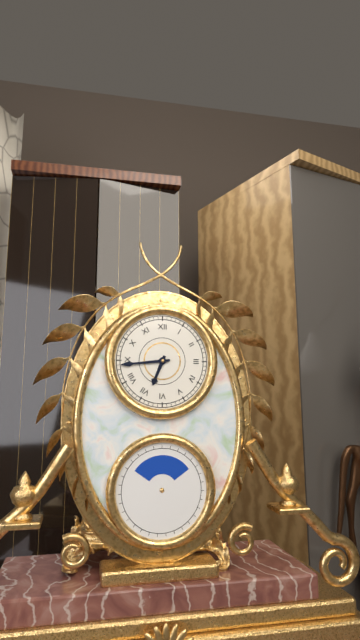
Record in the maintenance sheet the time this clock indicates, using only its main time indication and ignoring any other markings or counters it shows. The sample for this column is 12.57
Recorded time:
6.44
